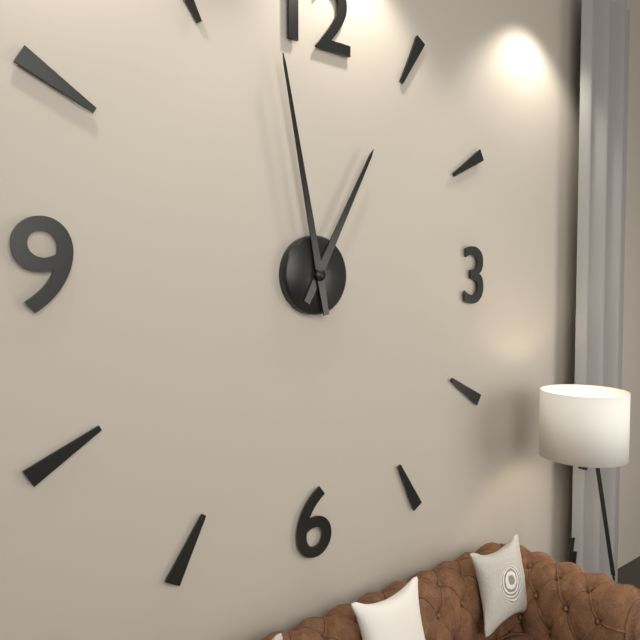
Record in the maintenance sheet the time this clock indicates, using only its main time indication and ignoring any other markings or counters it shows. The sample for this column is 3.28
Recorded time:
12.58
